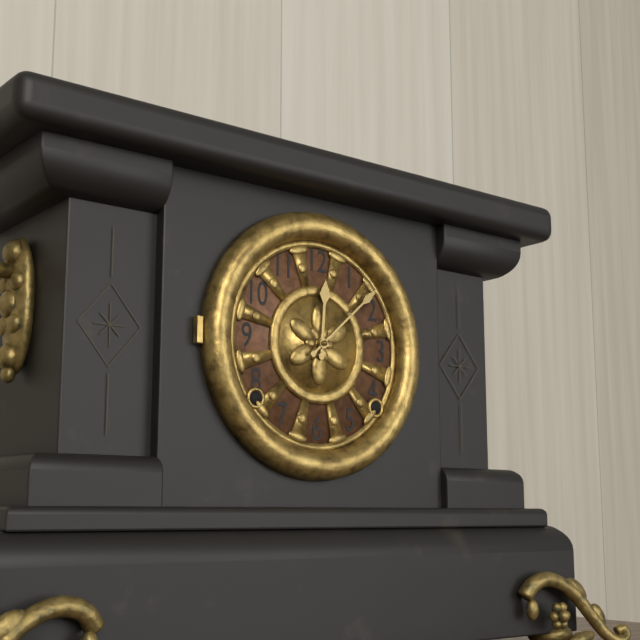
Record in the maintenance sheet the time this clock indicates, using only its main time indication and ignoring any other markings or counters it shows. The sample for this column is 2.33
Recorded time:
12.08
